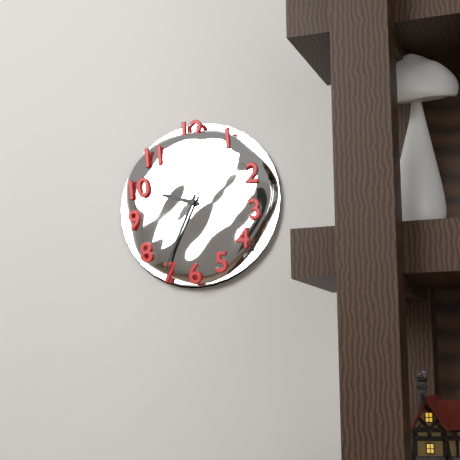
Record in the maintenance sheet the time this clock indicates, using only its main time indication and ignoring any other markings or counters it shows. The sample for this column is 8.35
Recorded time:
9.34
